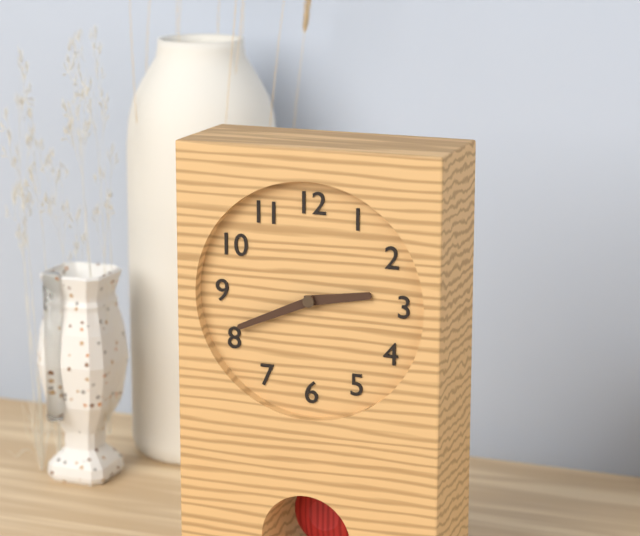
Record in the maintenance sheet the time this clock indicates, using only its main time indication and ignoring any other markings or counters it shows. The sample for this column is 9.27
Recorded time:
2.41
